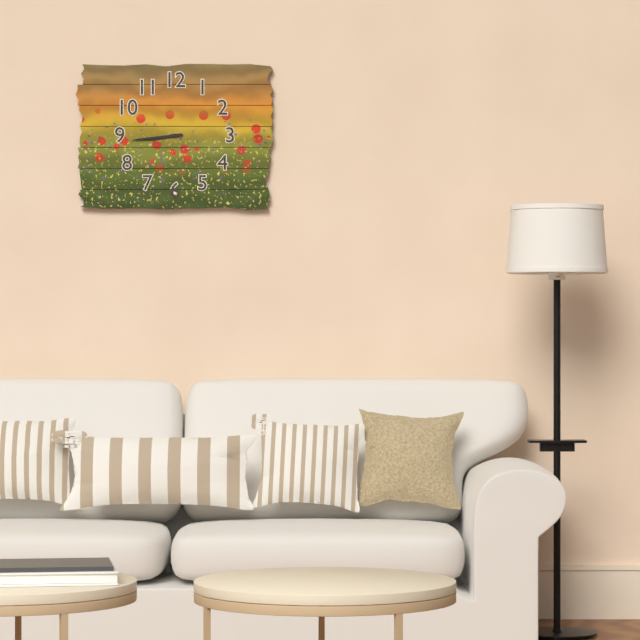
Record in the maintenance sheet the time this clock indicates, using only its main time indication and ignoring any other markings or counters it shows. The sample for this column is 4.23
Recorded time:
8.44
